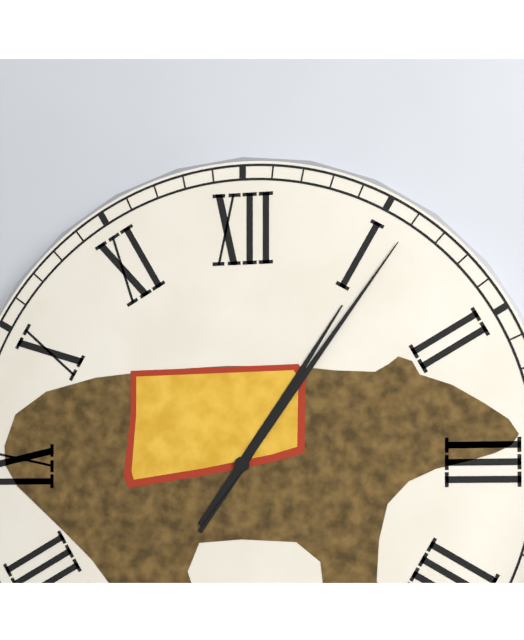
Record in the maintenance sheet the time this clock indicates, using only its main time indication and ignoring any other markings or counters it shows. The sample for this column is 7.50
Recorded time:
1.06
